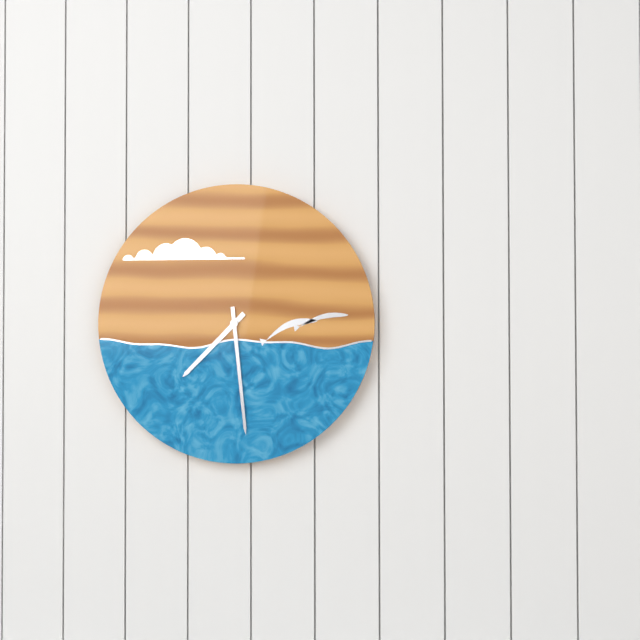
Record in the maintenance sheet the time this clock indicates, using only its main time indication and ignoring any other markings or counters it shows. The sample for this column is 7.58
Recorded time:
7.29
